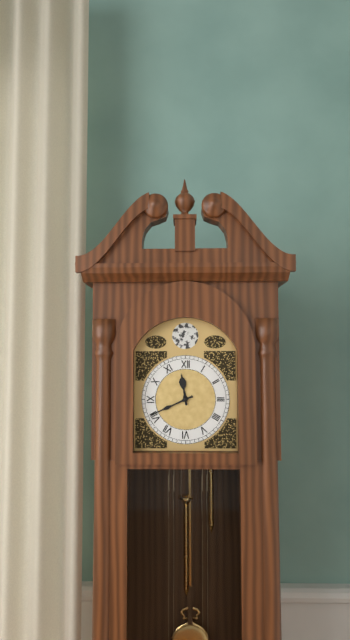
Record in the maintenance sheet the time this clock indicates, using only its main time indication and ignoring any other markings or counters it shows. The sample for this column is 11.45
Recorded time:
11.41
